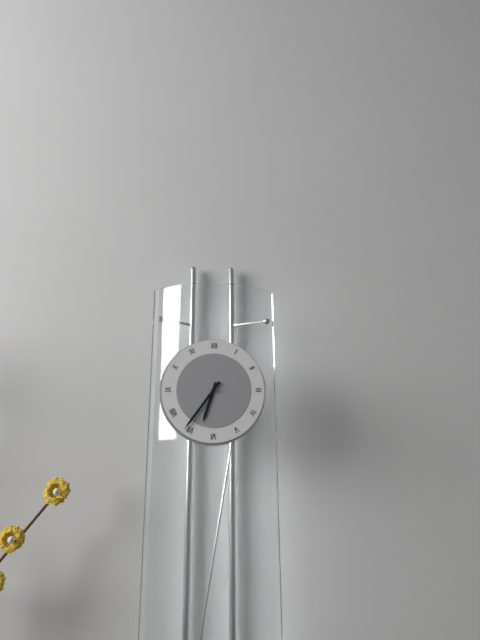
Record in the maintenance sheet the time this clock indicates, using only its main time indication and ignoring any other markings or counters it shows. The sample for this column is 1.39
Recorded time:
6.36
